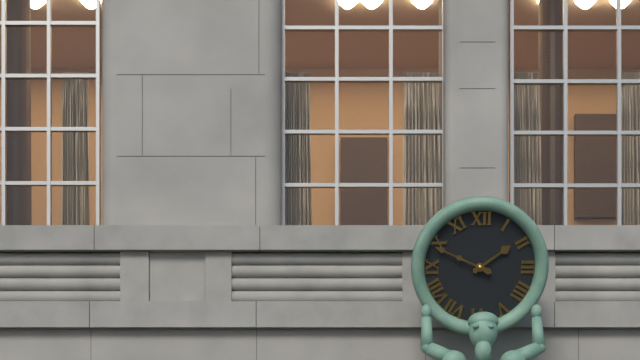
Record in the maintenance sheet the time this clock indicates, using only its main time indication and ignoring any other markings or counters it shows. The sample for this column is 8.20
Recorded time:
1.49
